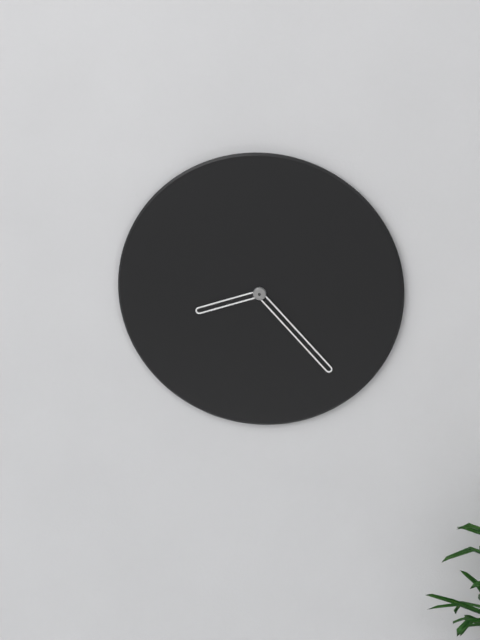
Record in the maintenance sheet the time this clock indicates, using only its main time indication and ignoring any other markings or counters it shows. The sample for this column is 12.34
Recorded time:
8.23
